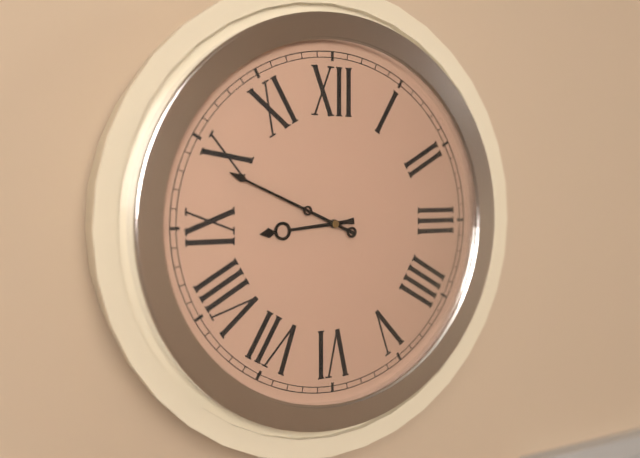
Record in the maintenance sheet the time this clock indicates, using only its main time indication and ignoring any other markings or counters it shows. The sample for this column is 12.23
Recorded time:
8.49
